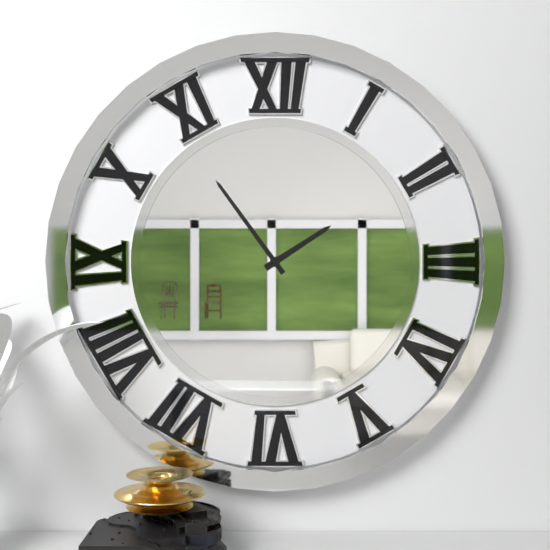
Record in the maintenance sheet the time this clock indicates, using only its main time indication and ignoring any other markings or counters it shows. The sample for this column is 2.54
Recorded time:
1.54
